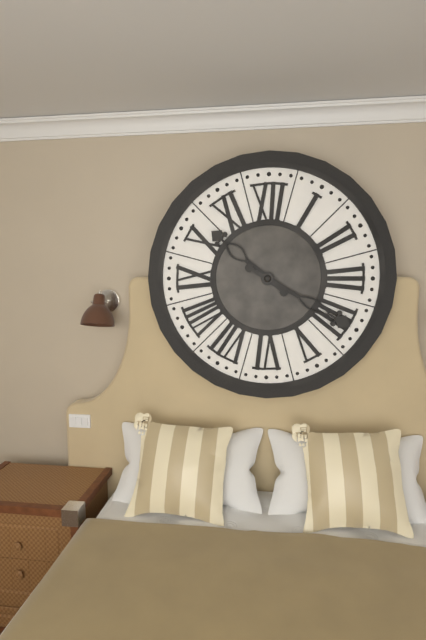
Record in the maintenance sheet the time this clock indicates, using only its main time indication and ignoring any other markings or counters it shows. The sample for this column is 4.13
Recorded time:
10.20
